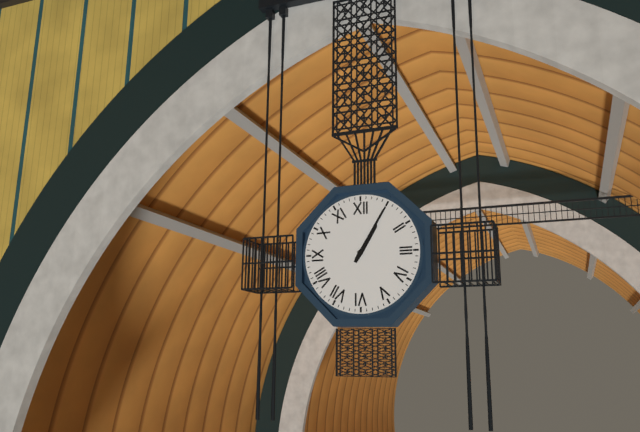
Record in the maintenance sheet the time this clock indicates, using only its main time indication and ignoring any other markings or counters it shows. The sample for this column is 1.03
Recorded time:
1.05
